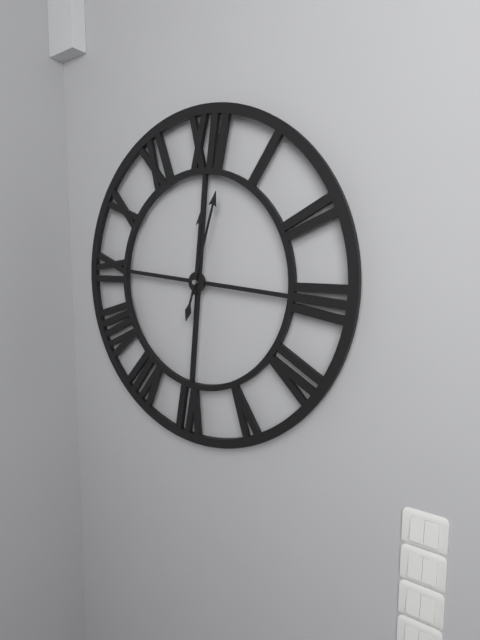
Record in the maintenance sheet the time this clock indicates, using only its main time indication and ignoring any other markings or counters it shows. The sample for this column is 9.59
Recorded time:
12.02
